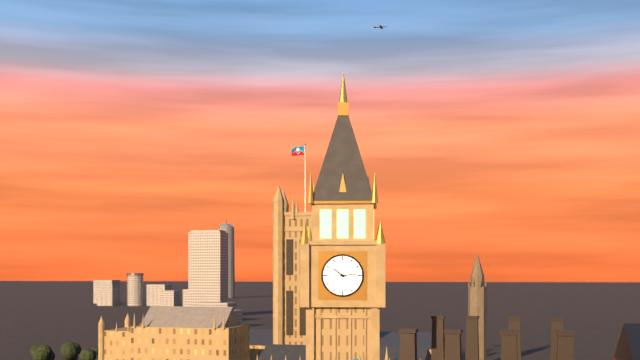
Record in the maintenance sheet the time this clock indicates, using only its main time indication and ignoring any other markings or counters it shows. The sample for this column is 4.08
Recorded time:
10.14
